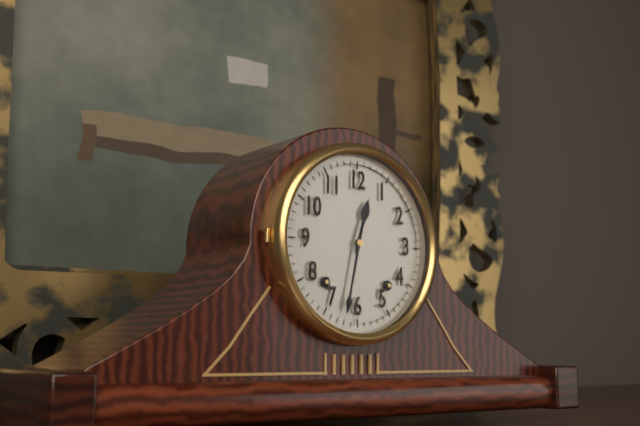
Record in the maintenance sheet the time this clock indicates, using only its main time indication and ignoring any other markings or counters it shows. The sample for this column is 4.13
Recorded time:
12.32
